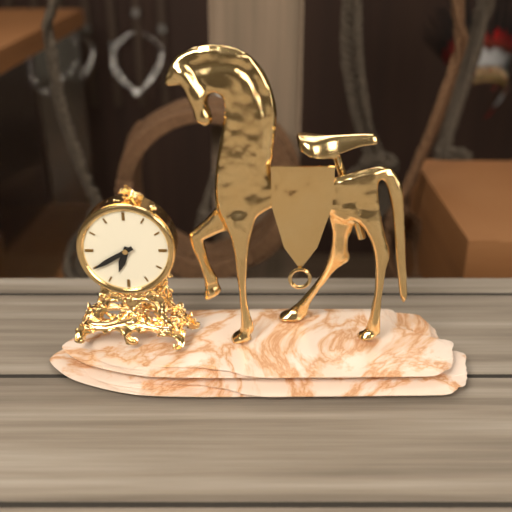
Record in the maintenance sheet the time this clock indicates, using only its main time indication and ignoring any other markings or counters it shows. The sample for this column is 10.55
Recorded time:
6.40
